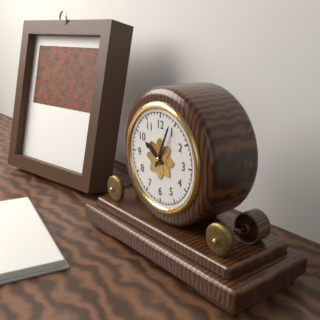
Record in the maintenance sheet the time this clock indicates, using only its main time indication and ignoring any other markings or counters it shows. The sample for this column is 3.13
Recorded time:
10.04
